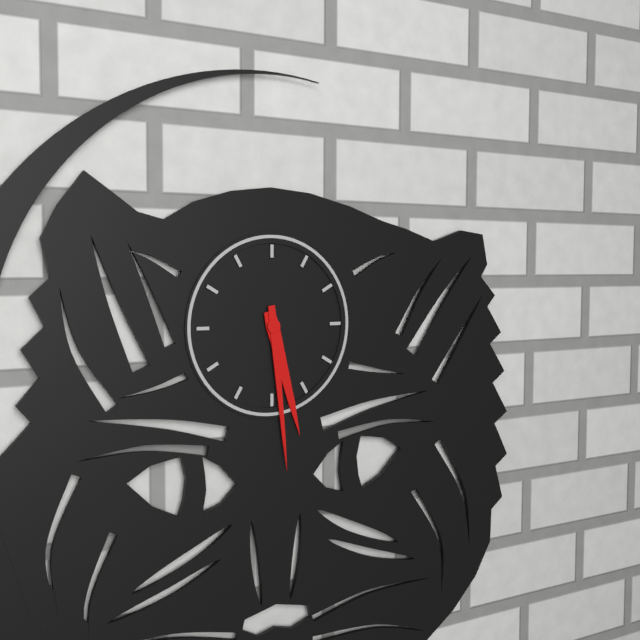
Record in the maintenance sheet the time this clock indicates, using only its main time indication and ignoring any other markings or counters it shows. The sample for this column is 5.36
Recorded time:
5.29
